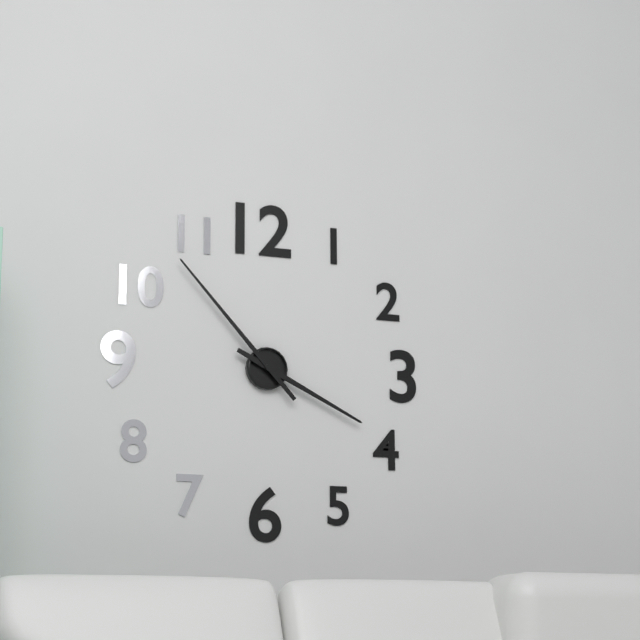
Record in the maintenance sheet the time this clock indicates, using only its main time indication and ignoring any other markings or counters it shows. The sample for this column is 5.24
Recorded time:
3.53
